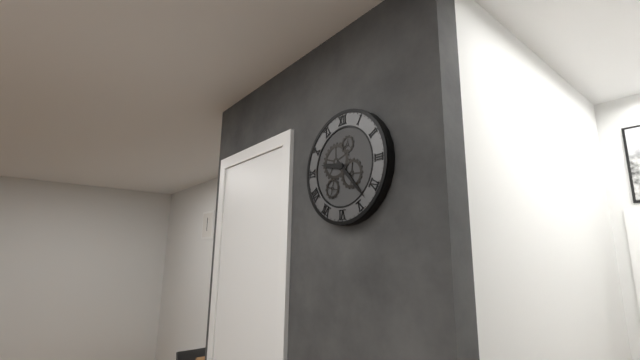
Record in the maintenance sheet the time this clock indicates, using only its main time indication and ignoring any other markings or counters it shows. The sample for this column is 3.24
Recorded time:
9.23
